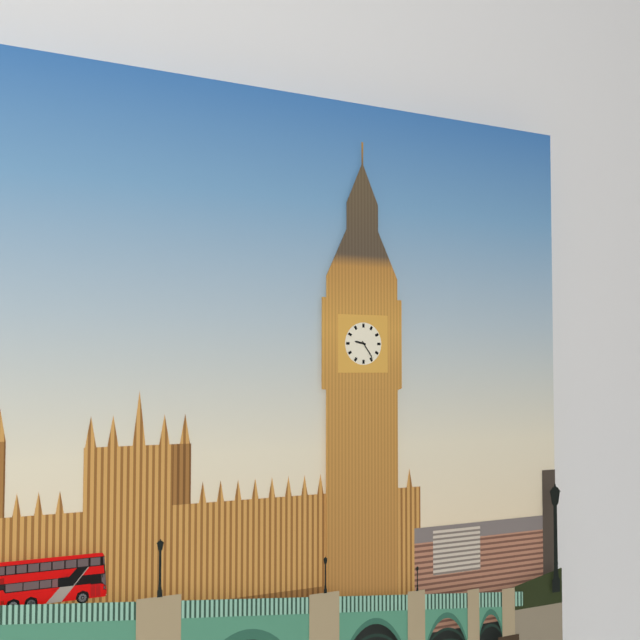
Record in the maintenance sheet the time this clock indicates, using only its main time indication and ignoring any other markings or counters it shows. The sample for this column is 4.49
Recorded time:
9.24
